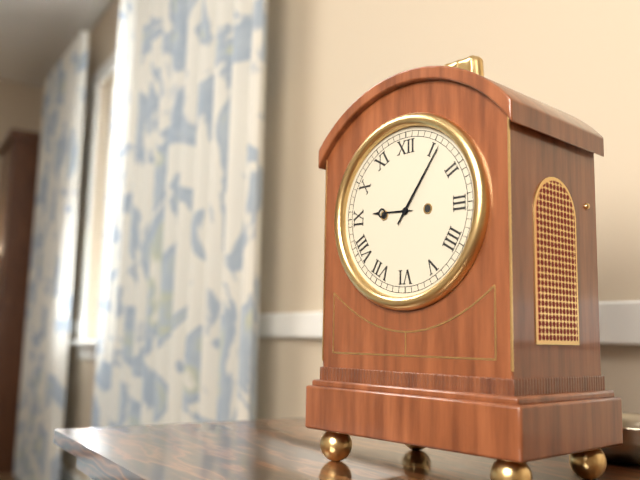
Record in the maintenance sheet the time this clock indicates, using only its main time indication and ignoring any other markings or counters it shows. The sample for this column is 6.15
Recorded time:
9.06
